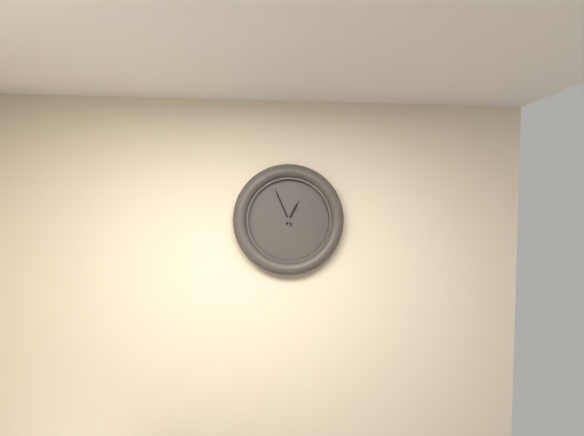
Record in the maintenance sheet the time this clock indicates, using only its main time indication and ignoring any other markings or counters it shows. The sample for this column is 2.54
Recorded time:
12.56
